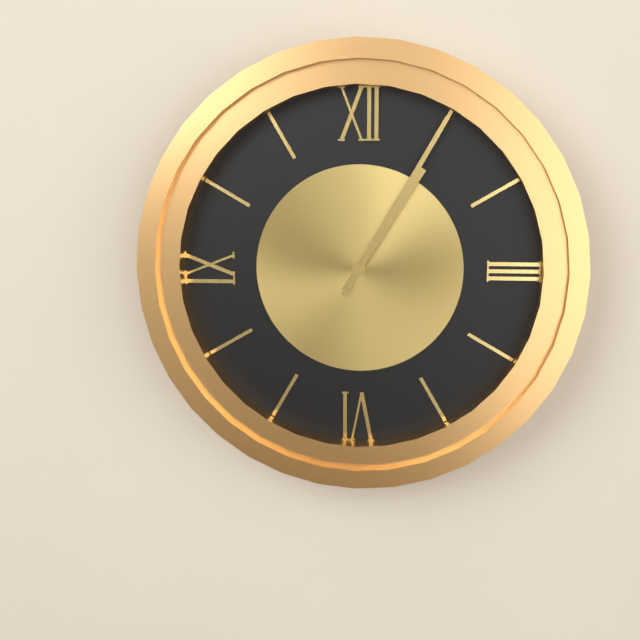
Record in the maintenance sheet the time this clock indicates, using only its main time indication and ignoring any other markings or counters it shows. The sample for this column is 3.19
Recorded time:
1.05
